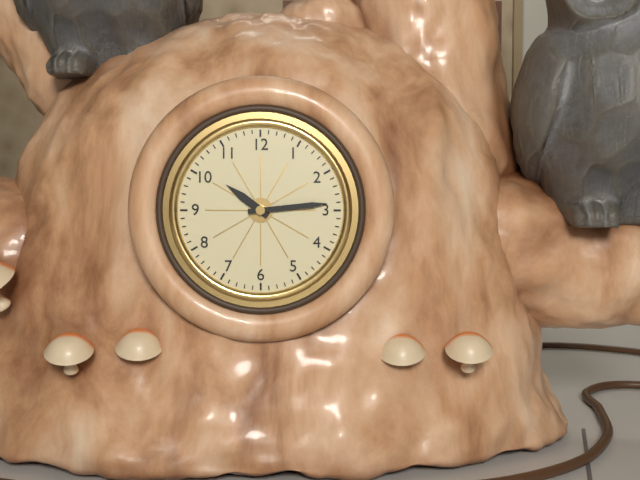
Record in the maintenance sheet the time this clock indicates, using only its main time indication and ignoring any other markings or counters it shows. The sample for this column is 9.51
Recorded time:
10.14
